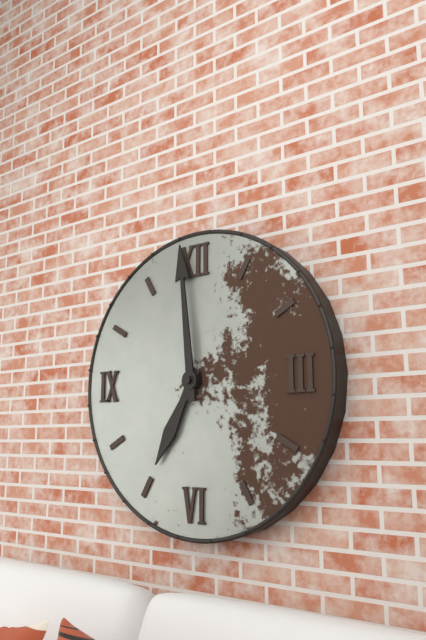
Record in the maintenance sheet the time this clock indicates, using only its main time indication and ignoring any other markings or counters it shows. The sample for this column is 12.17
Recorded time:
6.59
